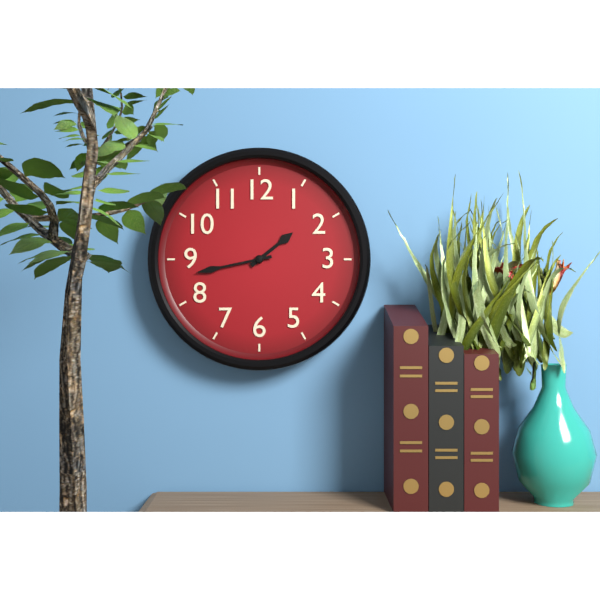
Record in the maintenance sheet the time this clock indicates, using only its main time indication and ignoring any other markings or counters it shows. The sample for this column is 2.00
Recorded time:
1.43
